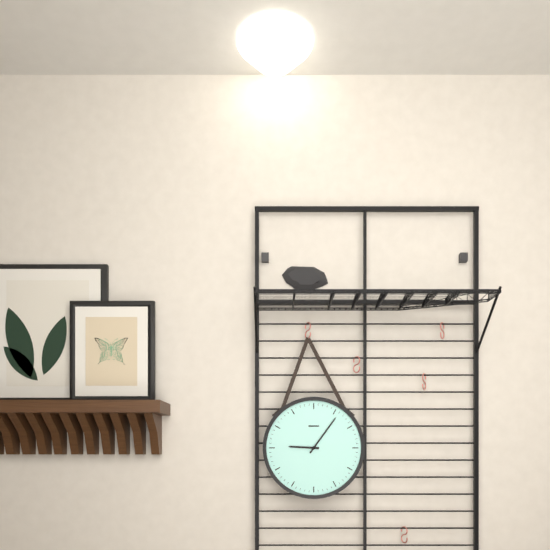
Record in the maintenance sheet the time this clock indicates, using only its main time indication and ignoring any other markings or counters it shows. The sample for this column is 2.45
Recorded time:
9.06
